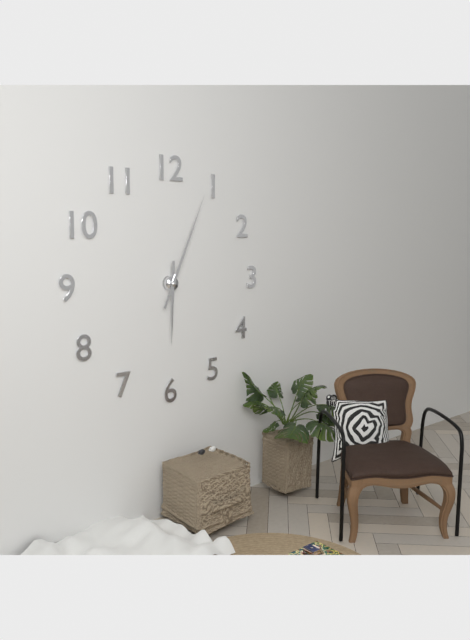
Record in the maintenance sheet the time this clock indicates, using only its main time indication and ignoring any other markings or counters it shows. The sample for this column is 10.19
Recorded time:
6.04
